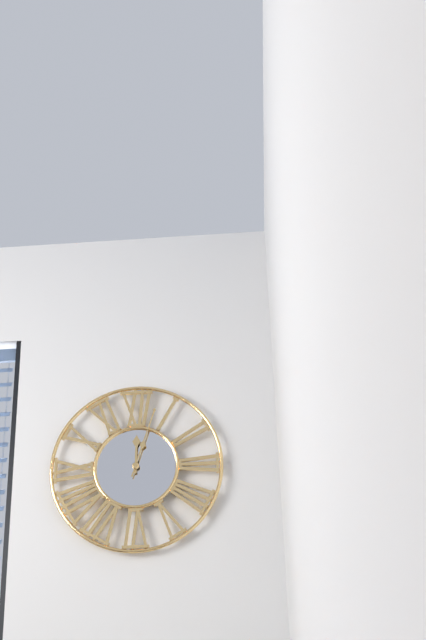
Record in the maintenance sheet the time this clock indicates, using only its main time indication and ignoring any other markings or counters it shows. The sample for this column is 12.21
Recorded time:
12.03
